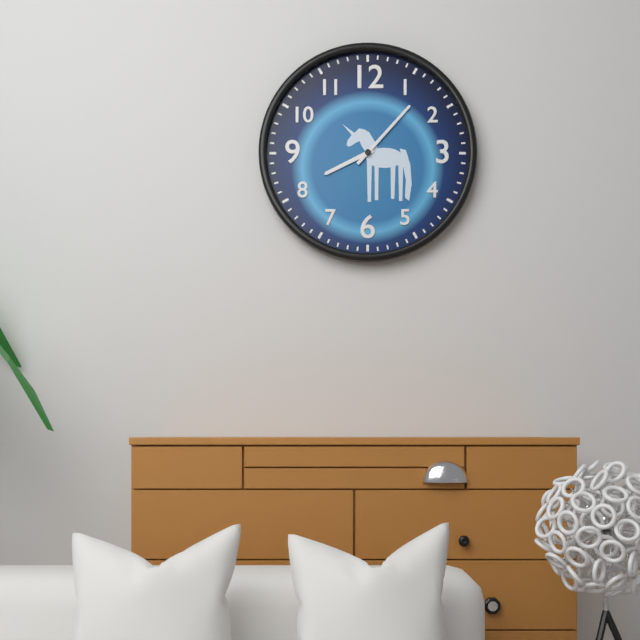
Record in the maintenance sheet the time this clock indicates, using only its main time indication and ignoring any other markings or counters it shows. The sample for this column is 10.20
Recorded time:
8.07
